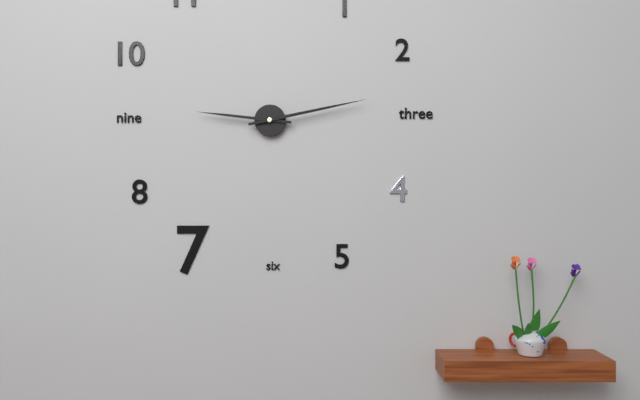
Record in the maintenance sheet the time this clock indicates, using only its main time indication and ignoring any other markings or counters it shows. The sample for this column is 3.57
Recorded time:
9.13
